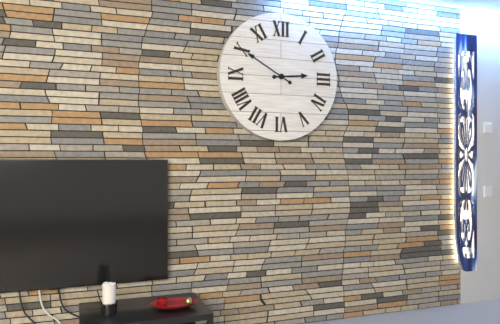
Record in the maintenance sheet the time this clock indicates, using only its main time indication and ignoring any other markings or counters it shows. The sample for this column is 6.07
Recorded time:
2.50
